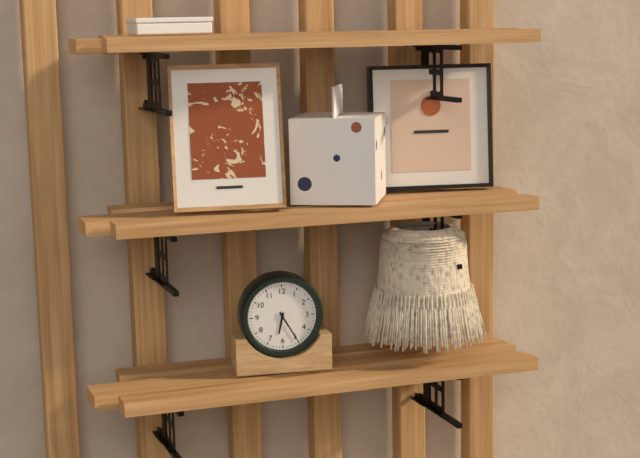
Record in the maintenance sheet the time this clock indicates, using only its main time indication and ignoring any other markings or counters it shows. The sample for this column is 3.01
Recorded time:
6.25
